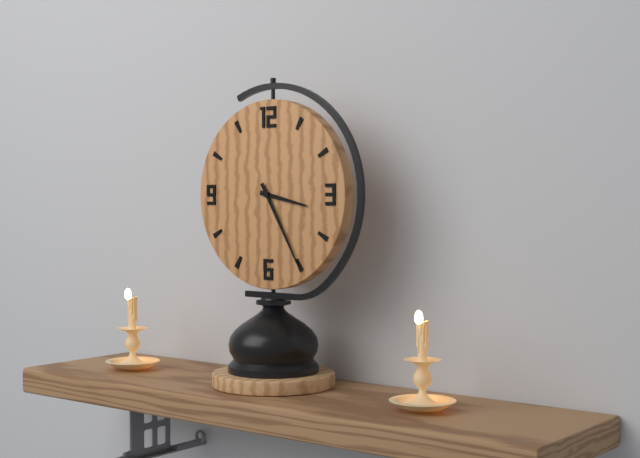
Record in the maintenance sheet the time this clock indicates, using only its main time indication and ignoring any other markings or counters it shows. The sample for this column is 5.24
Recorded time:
3.25
